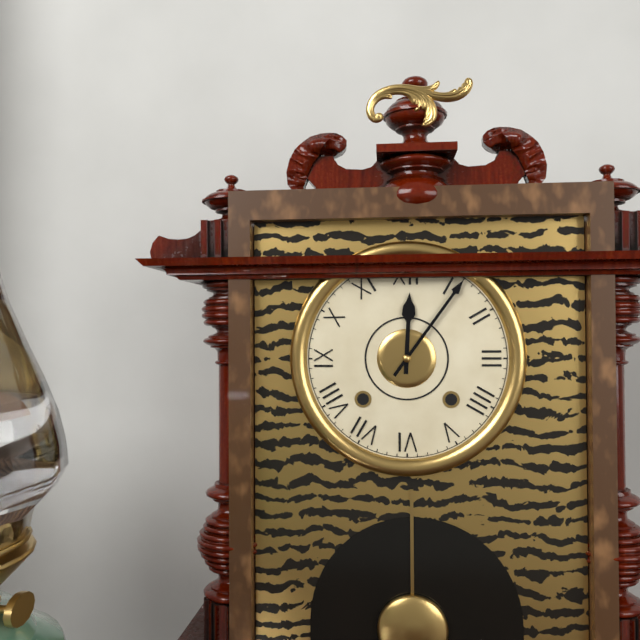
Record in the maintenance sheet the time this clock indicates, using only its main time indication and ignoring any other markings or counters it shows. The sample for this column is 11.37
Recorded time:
12.06
